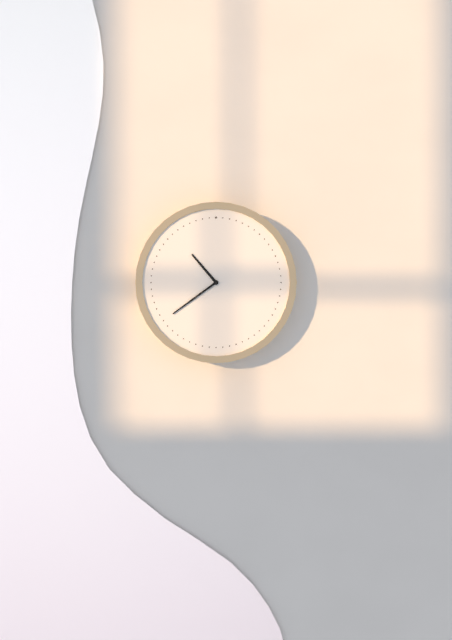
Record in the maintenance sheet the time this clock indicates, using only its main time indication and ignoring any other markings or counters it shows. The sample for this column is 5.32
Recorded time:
10.39
